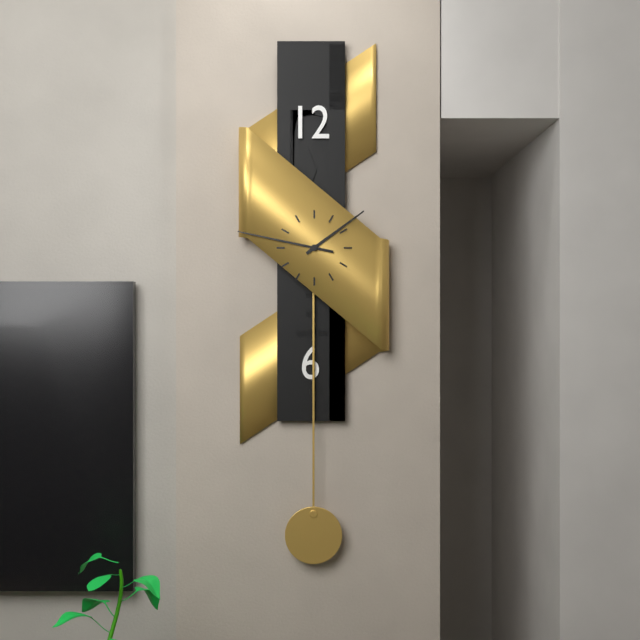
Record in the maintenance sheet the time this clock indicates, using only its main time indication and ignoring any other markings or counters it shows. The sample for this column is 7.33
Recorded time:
1.47
